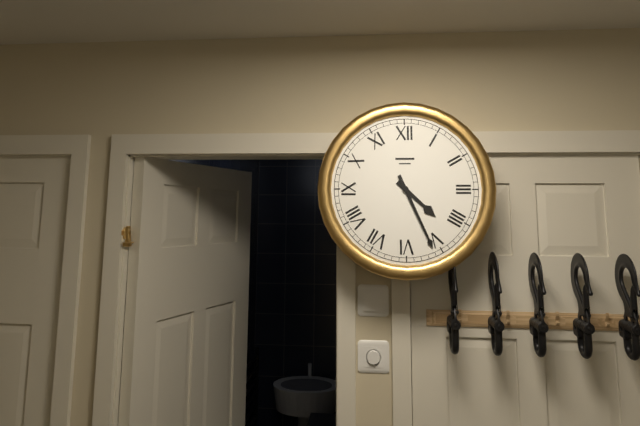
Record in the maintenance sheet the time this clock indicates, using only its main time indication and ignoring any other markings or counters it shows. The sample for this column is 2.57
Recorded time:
4.26
